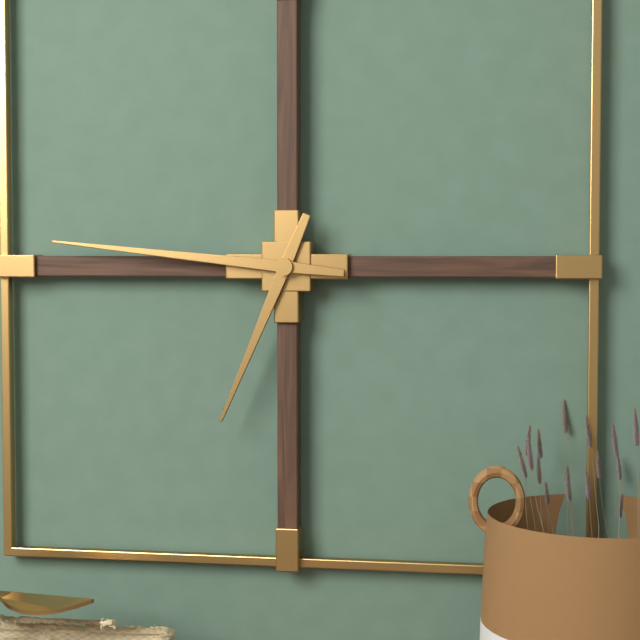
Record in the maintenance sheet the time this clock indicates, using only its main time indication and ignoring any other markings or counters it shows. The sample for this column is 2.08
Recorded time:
6.46
